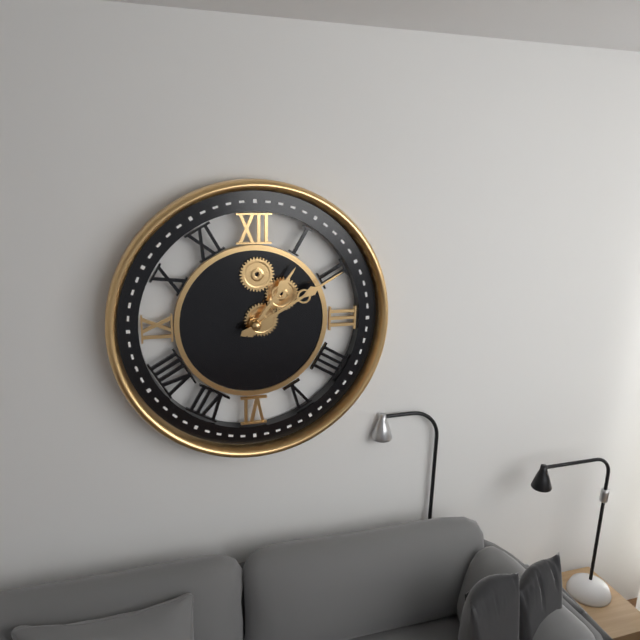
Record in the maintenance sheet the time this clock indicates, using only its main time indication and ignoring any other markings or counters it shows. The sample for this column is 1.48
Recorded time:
1.10
